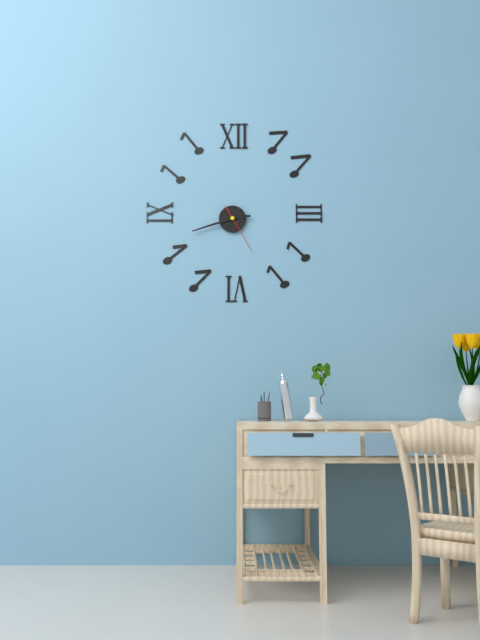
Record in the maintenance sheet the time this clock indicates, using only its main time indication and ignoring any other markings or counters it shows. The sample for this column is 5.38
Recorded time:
2.42
